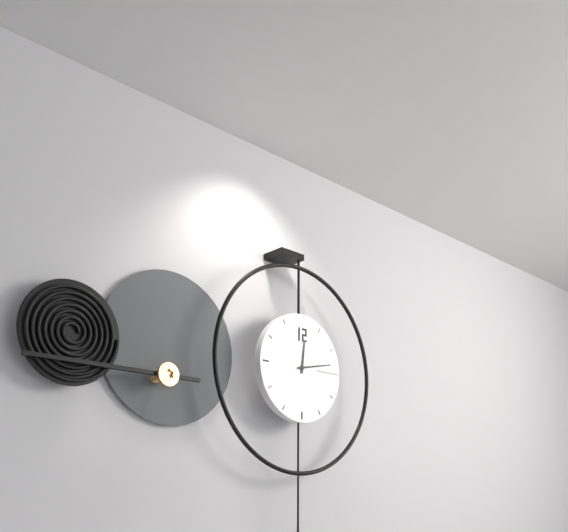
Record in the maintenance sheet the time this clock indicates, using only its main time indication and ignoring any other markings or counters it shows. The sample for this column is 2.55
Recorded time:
12.13
